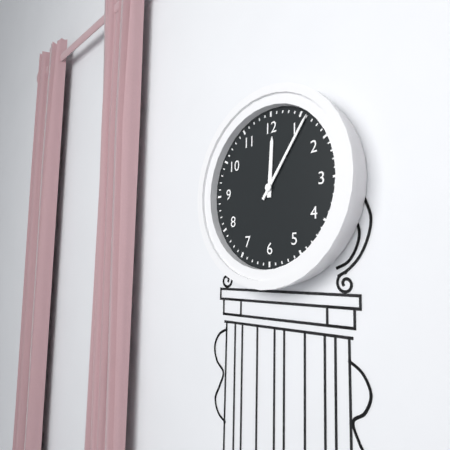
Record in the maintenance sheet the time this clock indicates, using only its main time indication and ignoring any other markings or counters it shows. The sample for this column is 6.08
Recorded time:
12.06
